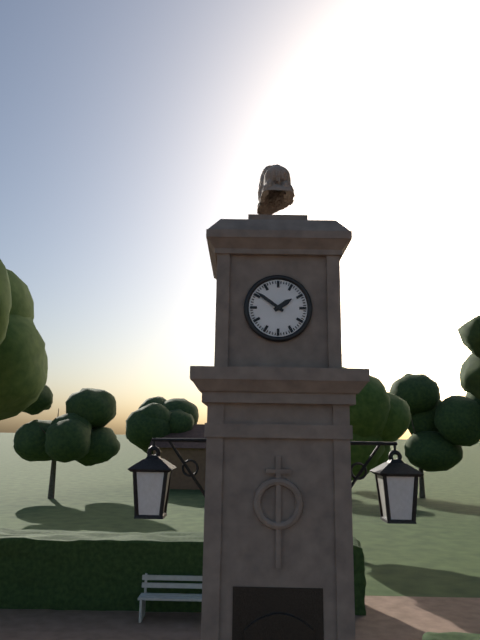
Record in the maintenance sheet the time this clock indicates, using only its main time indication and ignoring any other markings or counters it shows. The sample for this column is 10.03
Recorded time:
1.51
